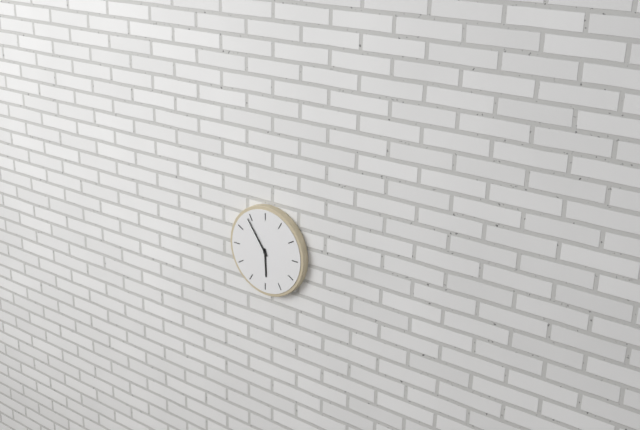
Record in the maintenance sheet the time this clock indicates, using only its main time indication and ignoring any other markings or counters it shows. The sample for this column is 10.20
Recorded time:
5.54
